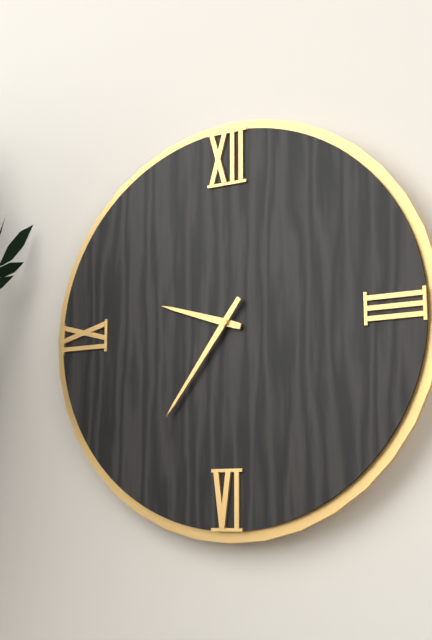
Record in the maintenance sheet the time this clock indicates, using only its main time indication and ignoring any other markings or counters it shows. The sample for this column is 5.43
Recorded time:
9.36
